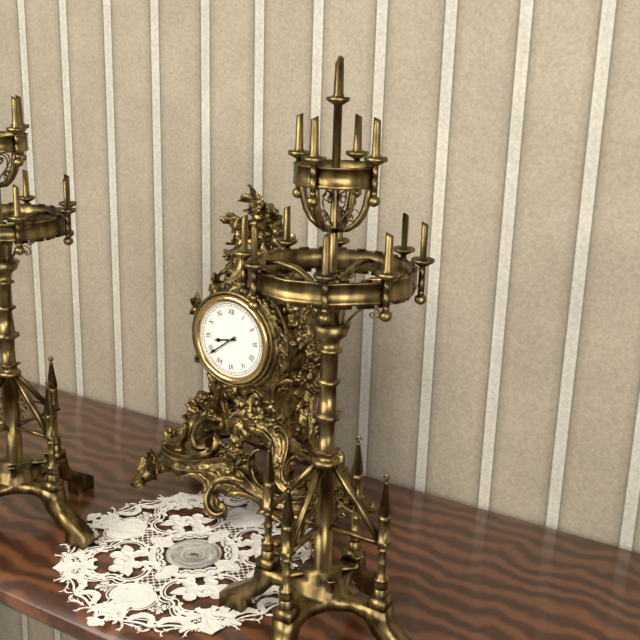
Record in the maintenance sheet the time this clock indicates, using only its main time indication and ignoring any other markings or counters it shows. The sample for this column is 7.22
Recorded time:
8.39
